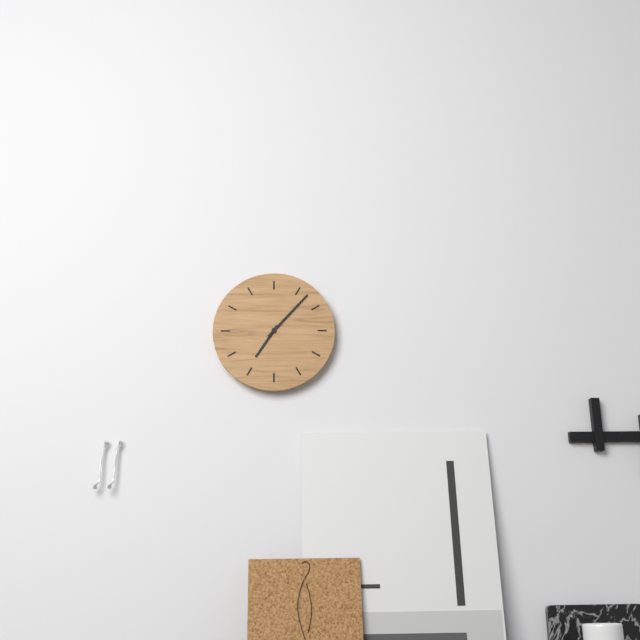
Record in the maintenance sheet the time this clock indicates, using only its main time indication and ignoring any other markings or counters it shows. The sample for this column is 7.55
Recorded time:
7.07
